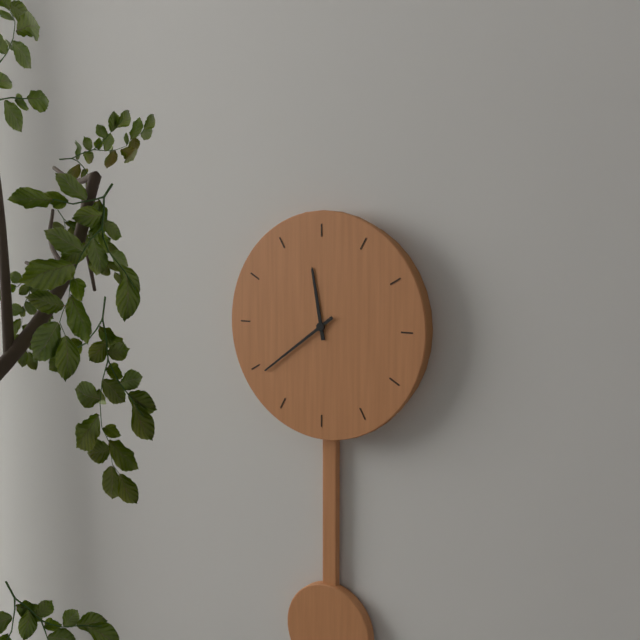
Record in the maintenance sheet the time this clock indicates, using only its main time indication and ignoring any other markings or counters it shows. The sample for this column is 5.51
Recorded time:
11.39
